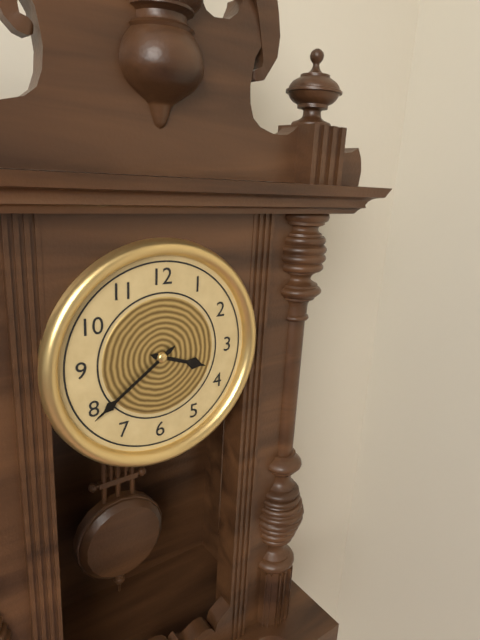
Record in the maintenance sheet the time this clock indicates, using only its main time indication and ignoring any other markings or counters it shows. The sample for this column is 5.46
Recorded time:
3.39
